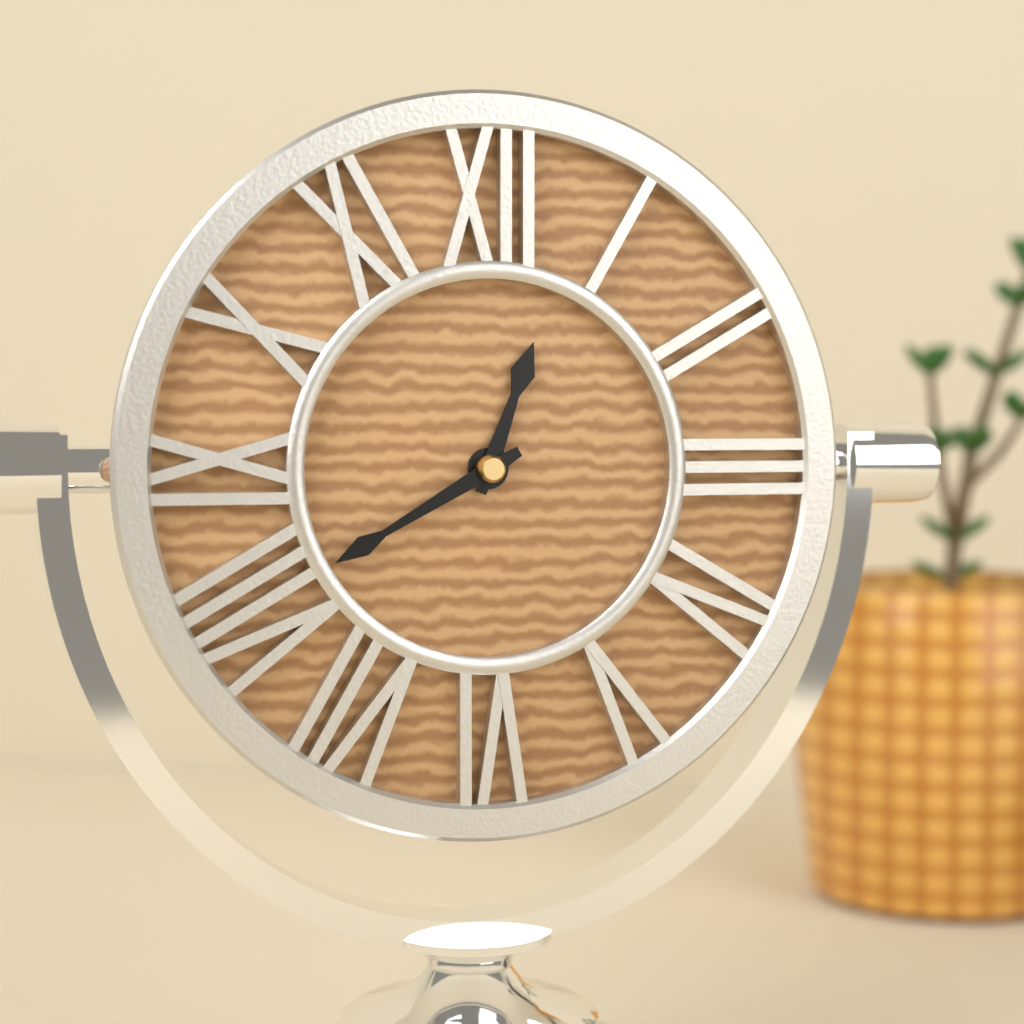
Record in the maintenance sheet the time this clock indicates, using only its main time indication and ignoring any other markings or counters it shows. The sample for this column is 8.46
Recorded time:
12.40
